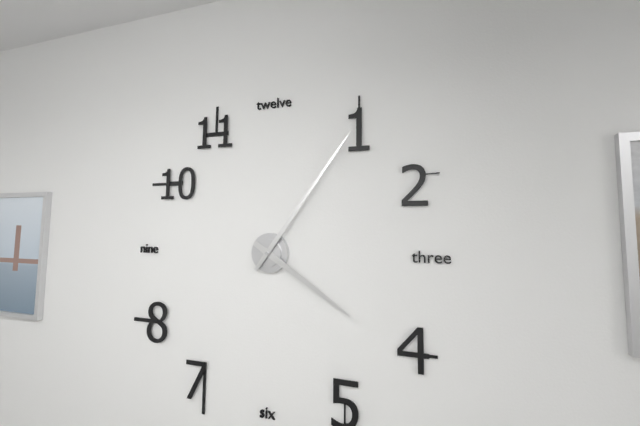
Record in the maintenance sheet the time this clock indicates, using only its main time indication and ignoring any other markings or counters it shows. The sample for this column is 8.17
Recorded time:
4.06
